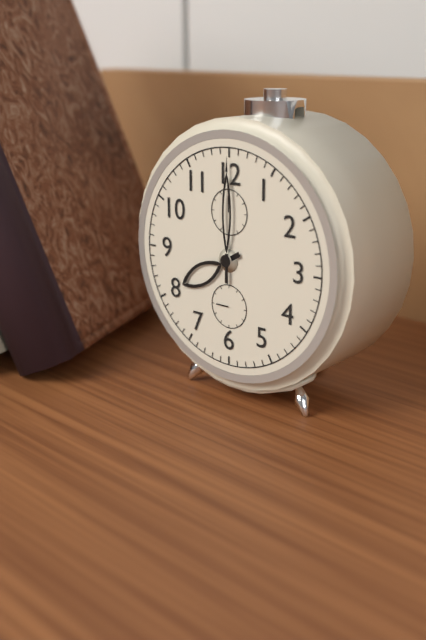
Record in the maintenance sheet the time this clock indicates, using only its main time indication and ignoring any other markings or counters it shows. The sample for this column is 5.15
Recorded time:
8.00
